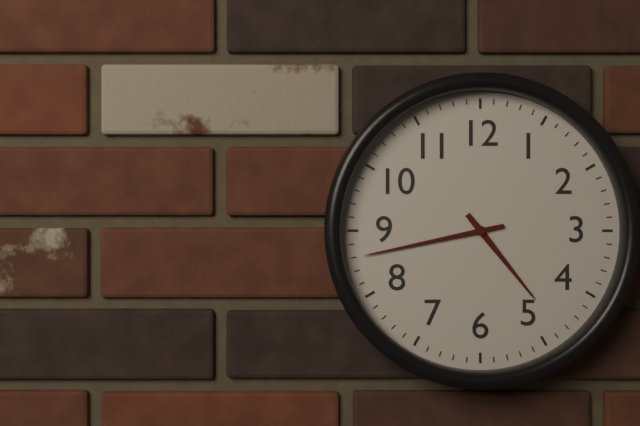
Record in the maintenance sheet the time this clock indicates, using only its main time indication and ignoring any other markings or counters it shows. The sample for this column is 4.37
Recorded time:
4.43
